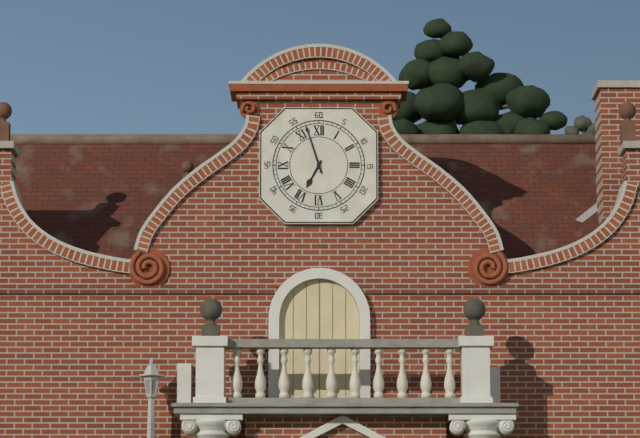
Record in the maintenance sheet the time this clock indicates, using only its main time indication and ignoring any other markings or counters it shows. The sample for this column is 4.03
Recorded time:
6.57
